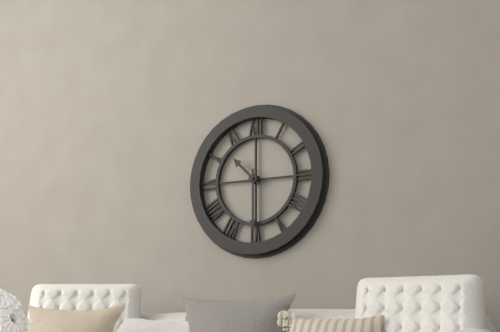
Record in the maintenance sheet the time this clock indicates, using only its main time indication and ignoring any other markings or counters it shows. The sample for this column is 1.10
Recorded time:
10.30
